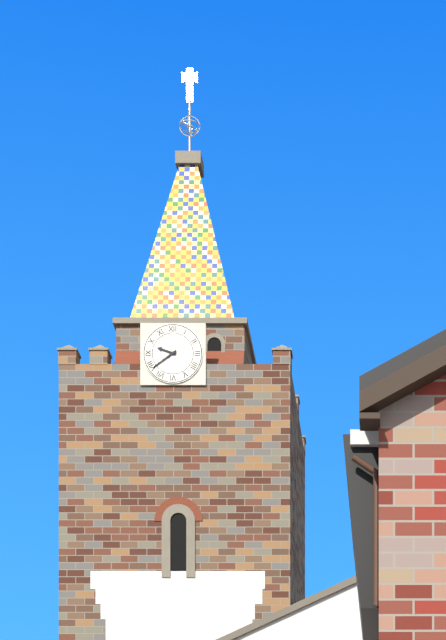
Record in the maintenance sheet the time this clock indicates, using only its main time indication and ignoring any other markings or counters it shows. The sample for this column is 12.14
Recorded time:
9.39
